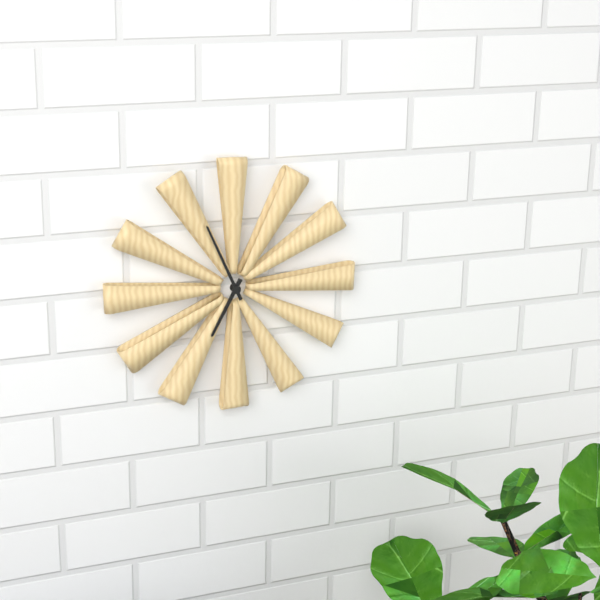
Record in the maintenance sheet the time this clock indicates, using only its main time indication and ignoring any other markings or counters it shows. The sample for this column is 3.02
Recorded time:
6.56
